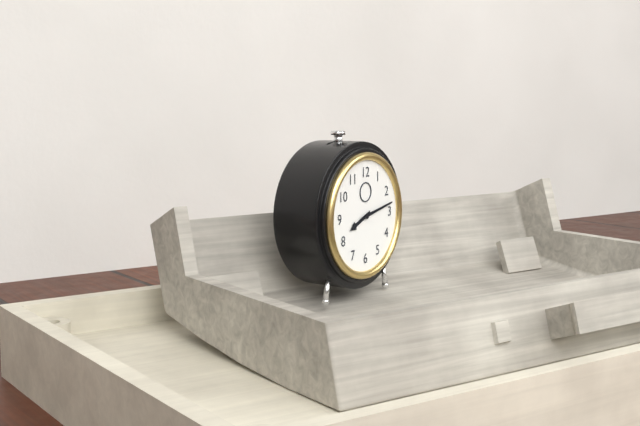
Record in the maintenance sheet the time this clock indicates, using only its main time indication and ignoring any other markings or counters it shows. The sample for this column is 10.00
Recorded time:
8.13
